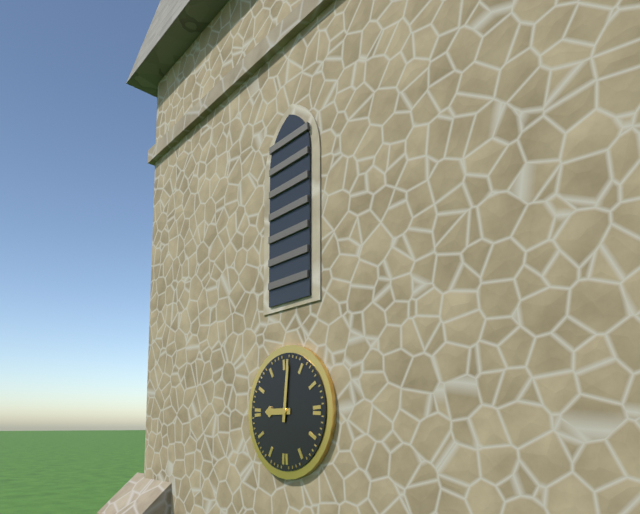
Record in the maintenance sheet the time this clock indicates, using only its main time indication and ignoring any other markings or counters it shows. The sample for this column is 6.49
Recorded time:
9.01
